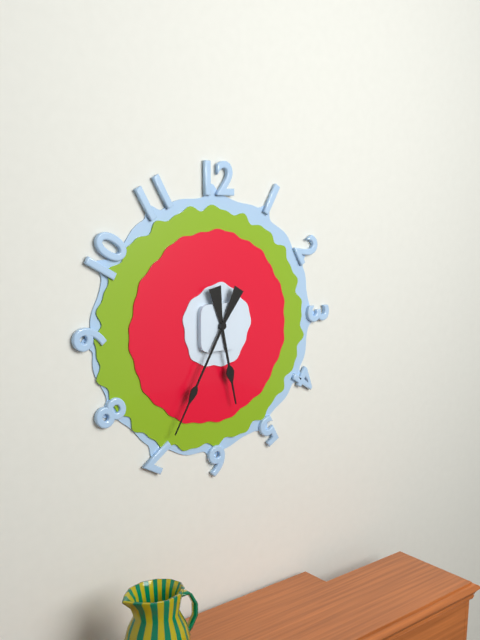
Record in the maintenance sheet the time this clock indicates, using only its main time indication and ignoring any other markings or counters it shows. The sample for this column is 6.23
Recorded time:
5.35
